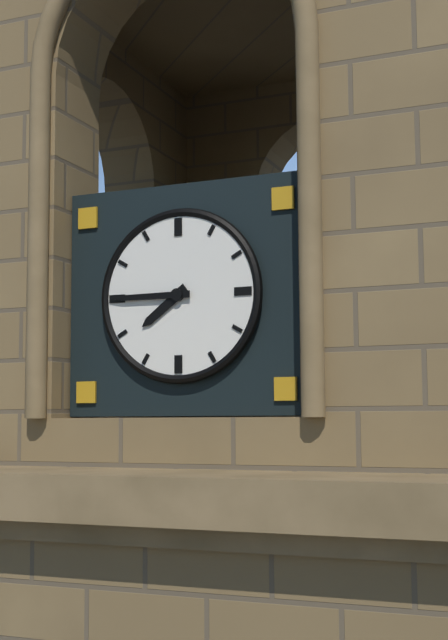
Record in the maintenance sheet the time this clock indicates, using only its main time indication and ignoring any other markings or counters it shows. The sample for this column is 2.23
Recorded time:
7.45
